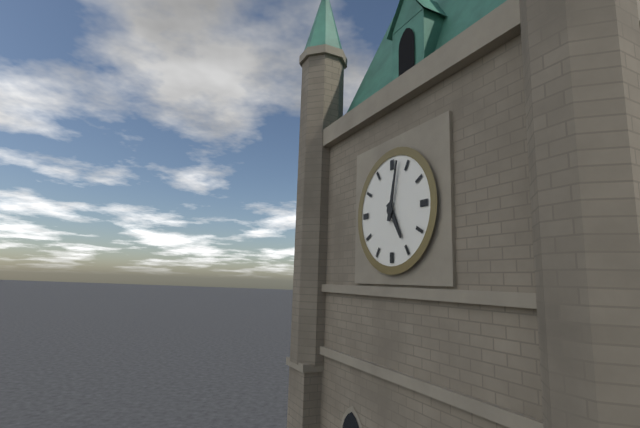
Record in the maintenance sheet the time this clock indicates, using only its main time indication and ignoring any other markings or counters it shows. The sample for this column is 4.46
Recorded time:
5.02
